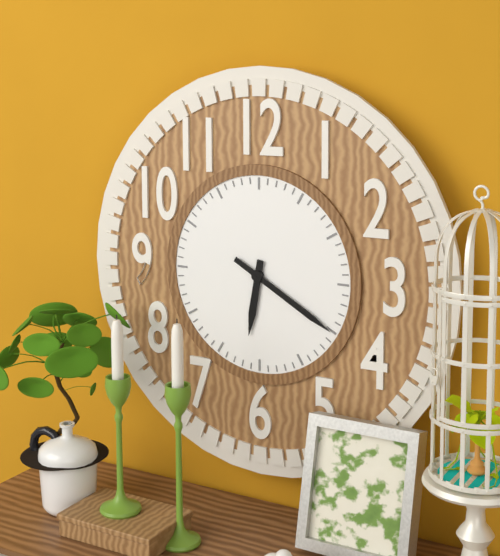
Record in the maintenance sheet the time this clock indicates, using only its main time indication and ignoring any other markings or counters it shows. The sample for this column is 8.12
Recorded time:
6.20
